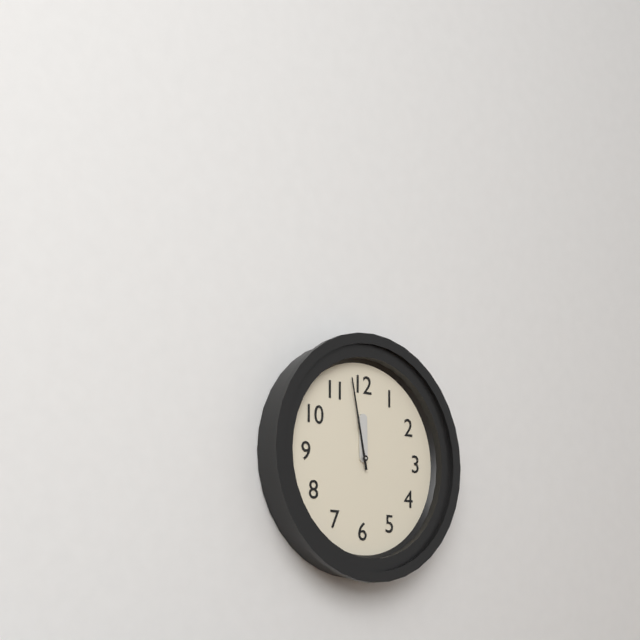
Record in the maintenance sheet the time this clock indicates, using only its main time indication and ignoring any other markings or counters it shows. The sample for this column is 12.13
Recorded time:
11.58
